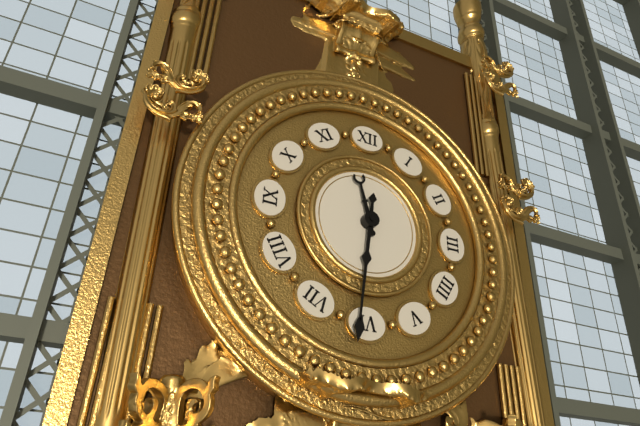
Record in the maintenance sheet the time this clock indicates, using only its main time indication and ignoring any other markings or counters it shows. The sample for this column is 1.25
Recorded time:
11.31
